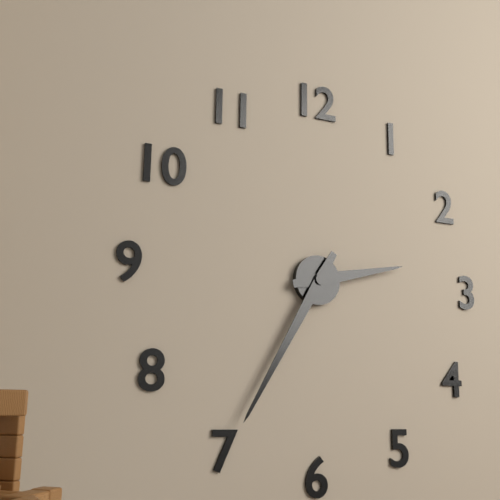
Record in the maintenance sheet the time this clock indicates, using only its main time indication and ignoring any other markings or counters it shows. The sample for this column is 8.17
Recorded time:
2.35
